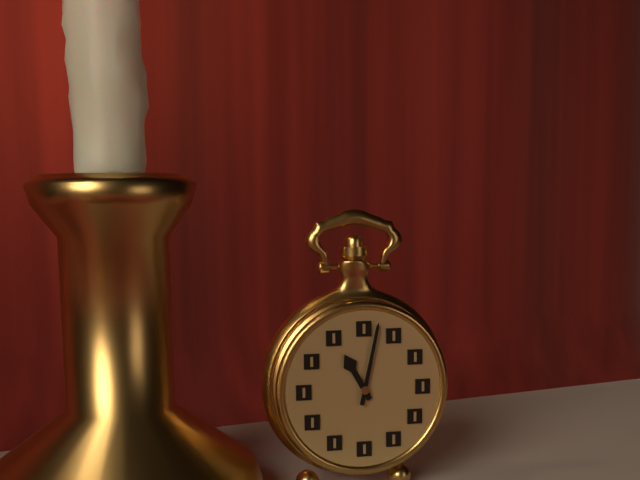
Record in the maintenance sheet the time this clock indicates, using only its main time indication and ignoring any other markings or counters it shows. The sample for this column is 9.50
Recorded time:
11.02
